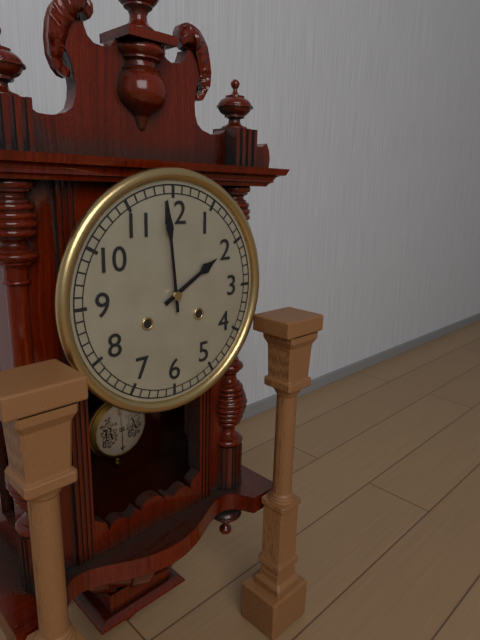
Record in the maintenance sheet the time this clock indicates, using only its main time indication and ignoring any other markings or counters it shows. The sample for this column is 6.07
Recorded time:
1.59
